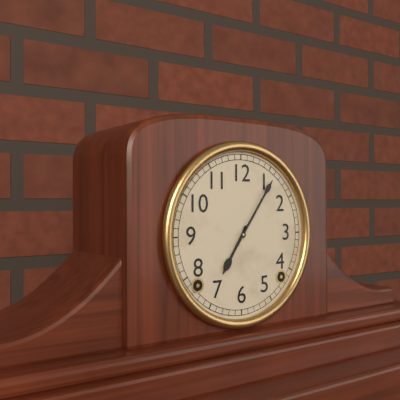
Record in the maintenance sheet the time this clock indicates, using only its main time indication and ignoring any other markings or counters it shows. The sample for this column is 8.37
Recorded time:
7.06
